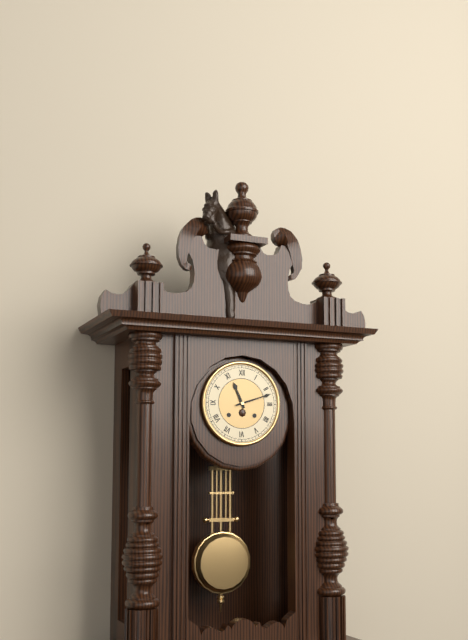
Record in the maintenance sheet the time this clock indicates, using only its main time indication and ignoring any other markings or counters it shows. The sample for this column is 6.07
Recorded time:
11.12
